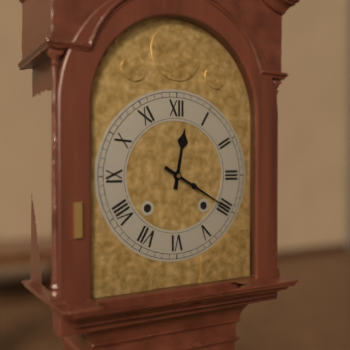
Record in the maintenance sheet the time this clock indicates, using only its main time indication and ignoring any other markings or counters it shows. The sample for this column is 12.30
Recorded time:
12.20
